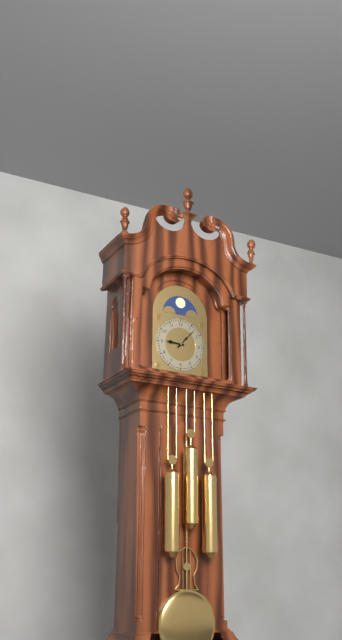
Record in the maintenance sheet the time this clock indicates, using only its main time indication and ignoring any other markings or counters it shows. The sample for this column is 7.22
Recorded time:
9.07
